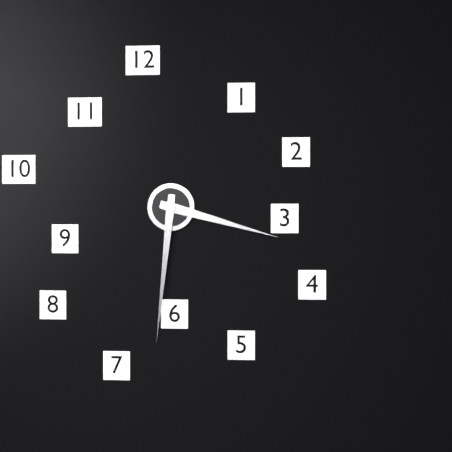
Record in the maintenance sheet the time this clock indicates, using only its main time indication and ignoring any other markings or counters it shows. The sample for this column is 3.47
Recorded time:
3.31
